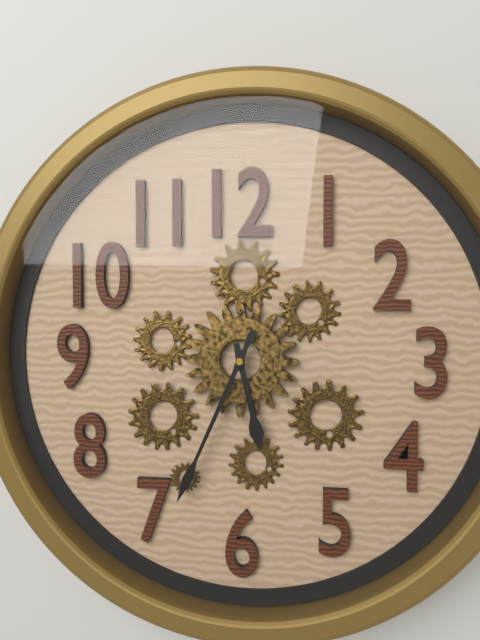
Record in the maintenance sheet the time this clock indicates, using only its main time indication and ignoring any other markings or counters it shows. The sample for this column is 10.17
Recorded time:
5.34
